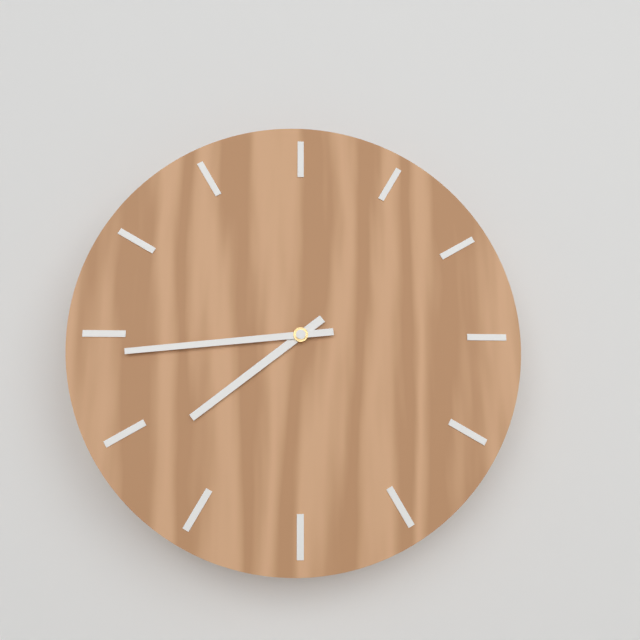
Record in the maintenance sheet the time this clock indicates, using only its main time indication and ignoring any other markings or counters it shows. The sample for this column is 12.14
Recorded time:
7.44
